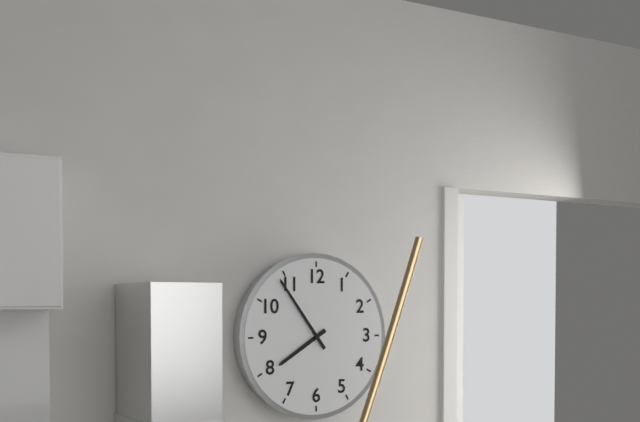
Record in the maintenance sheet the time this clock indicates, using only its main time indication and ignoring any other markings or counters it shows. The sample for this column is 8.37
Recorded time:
7.54
